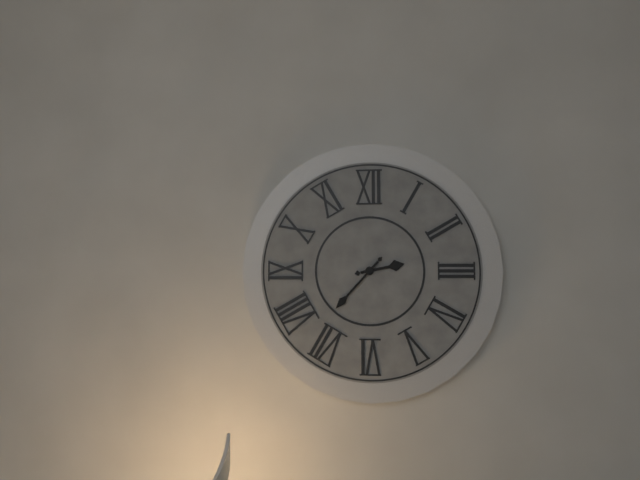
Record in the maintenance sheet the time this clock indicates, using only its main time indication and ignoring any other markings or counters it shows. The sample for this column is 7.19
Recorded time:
2.37
